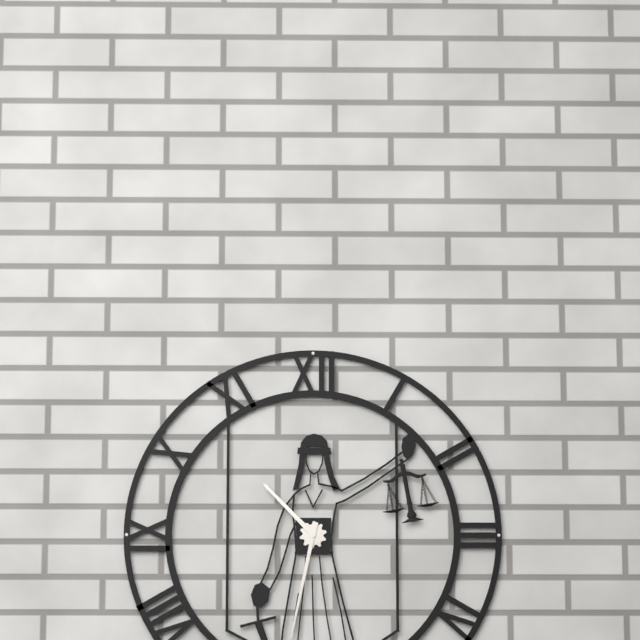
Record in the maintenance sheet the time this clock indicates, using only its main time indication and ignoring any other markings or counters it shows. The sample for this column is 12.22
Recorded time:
10.32
